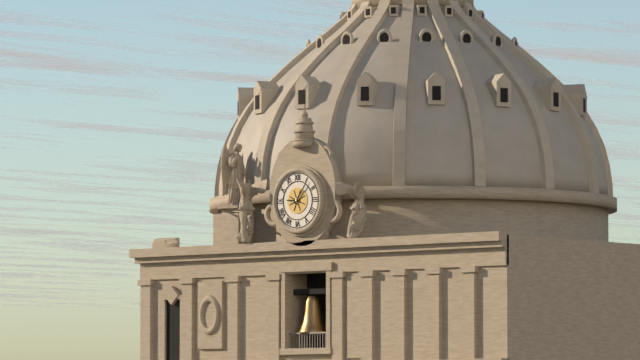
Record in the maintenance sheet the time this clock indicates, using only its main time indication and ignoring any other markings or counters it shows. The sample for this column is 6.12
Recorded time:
9.06
